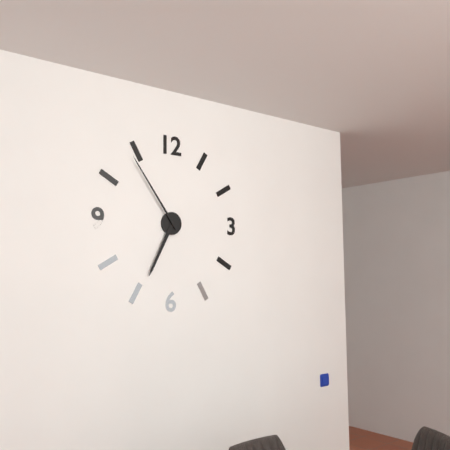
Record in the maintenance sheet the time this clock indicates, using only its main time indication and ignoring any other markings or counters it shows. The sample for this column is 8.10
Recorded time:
6.54
